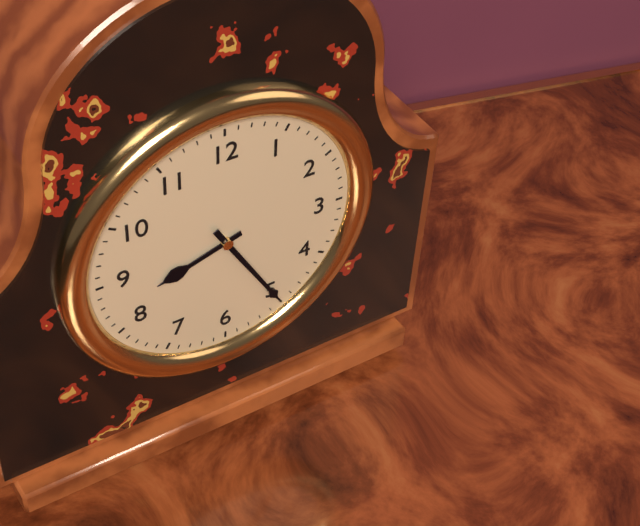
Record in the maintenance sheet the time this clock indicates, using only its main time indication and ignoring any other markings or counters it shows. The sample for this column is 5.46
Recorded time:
8.25
